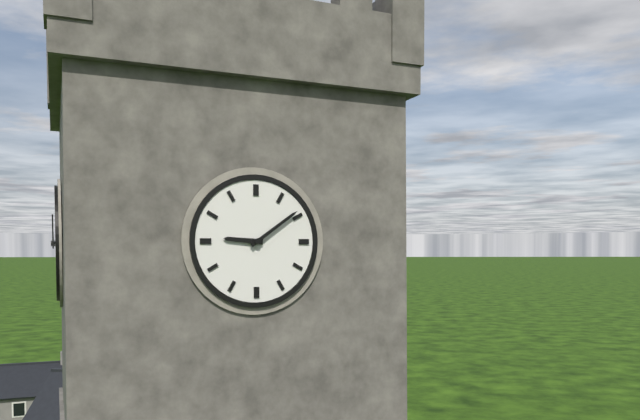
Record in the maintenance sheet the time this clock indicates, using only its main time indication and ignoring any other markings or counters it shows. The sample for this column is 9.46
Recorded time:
9.09
